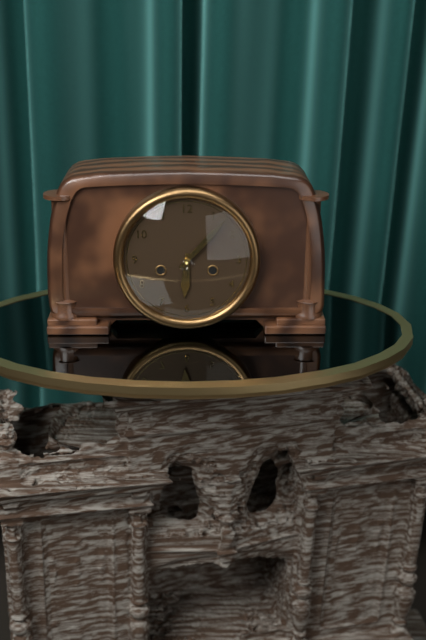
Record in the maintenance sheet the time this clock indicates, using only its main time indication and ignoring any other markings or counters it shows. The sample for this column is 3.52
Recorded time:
6.07
